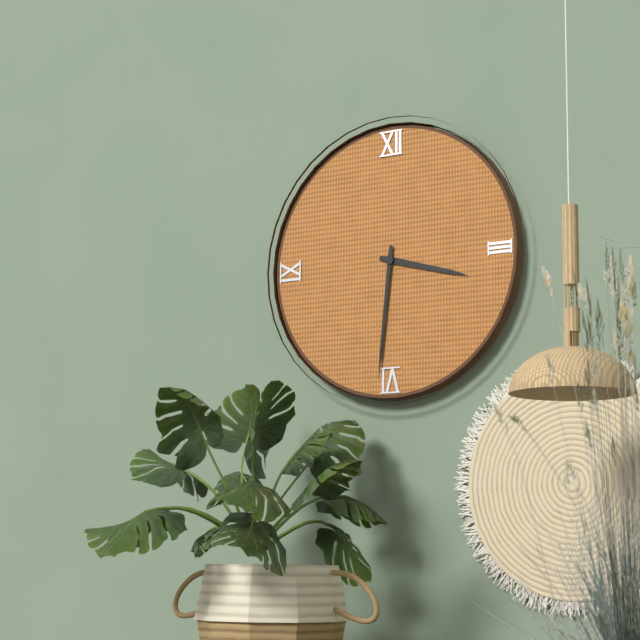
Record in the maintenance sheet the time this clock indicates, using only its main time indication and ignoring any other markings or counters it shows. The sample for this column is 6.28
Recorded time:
3.31
